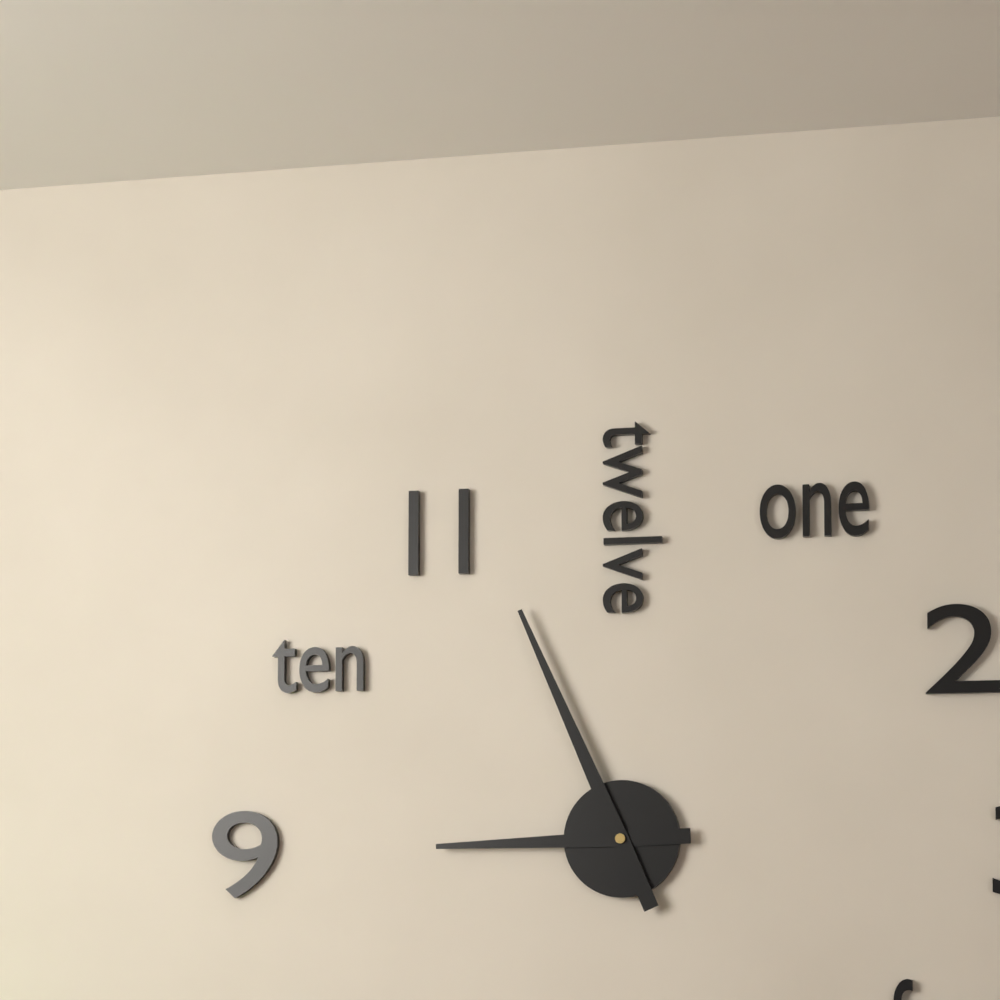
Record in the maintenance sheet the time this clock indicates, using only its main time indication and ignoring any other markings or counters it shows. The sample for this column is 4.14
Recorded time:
8.56
